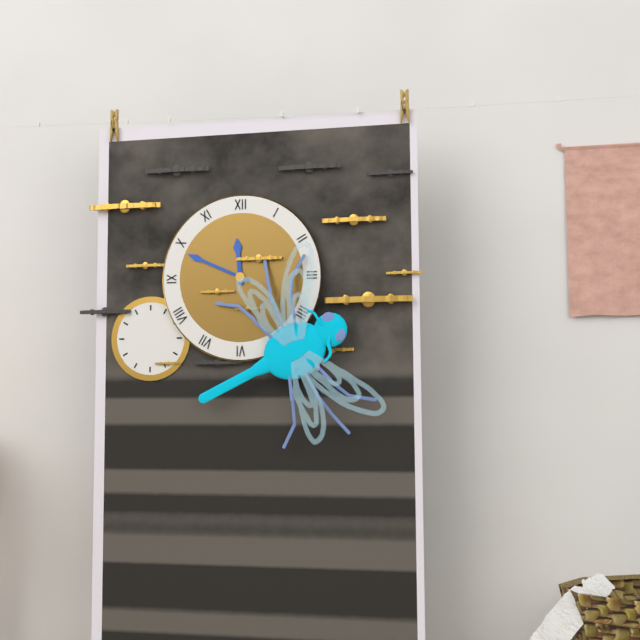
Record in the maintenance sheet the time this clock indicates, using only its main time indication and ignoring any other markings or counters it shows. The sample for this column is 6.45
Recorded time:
11.49
